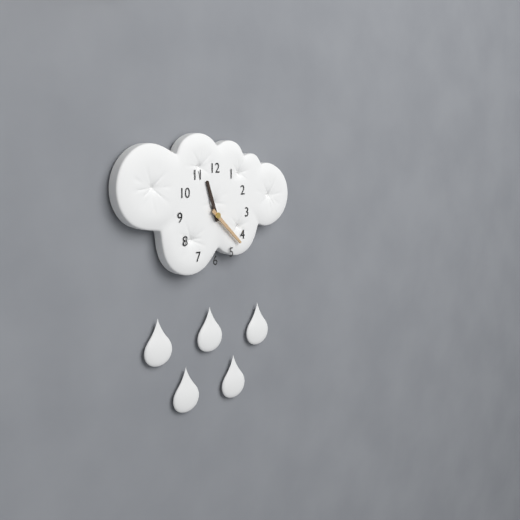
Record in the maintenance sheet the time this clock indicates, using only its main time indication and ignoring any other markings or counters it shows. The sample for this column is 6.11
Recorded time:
11.22
